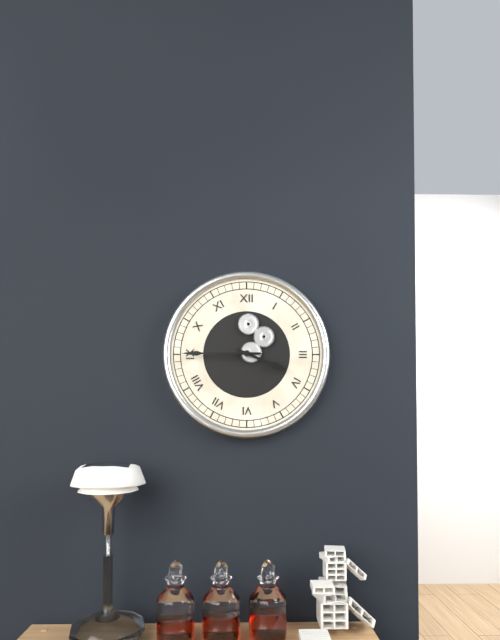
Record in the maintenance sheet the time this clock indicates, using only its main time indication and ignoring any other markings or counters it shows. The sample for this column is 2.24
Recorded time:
3.45
